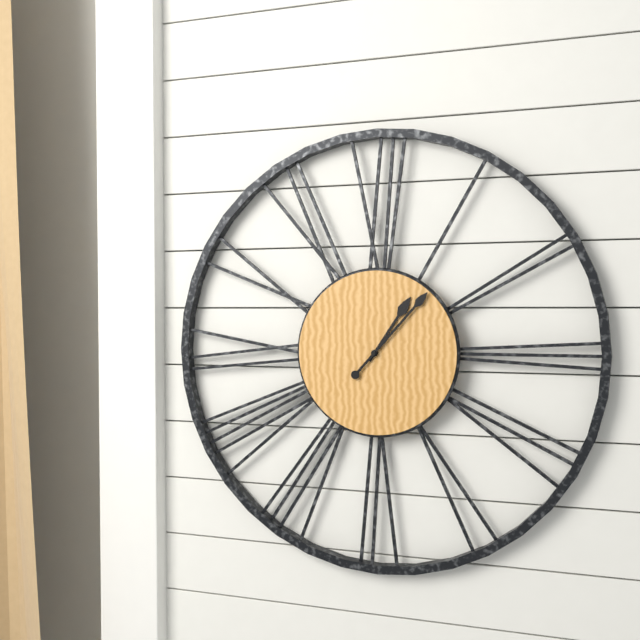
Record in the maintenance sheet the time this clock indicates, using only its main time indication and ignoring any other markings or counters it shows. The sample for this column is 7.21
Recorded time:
1.07
